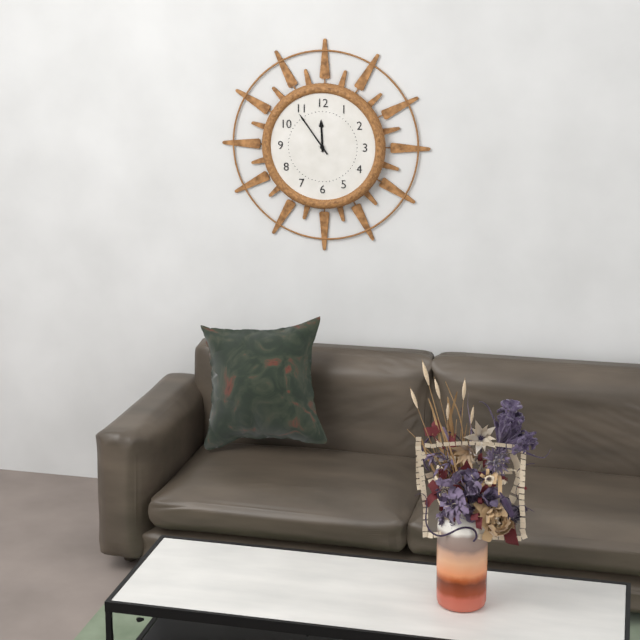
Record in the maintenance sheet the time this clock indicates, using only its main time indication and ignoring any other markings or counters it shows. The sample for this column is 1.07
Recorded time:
11.54
